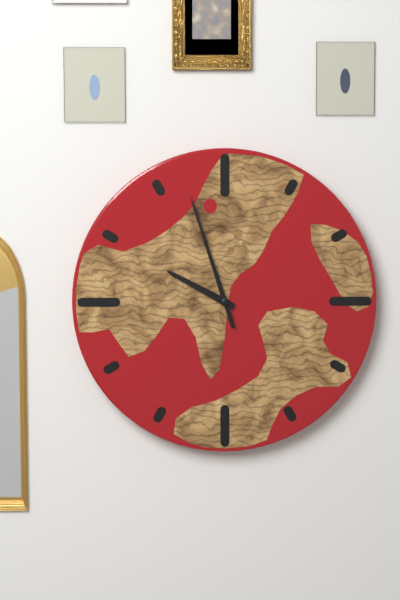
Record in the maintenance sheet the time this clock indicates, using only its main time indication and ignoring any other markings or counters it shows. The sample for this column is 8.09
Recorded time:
9.57
